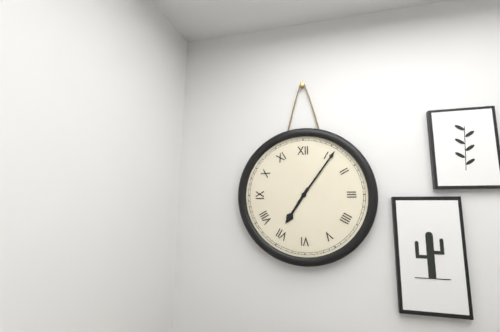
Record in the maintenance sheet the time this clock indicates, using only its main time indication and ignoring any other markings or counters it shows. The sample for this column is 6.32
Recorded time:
7.06
